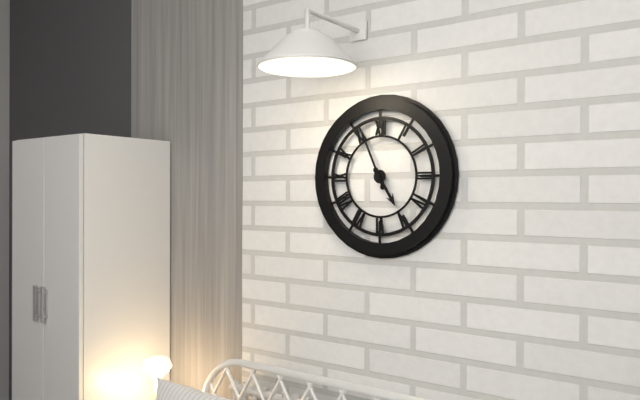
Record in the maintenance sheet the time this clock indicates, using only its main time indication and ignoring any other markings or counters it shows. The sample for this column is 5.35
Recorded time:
4.56
